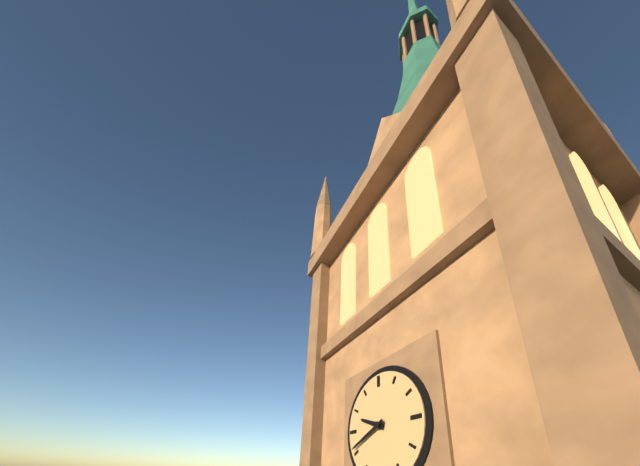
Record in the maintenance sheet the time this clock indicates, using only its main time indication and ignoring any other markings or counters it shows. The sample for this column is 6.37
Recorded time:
9.41
